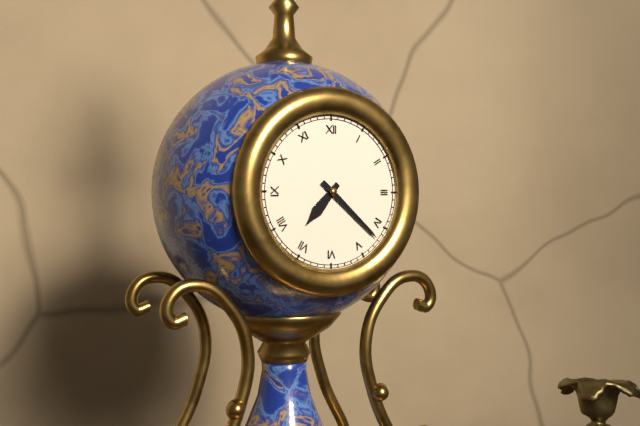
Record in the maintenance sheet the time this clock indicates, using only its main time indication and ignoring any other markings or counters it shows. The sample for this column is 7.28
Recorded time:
7.22
